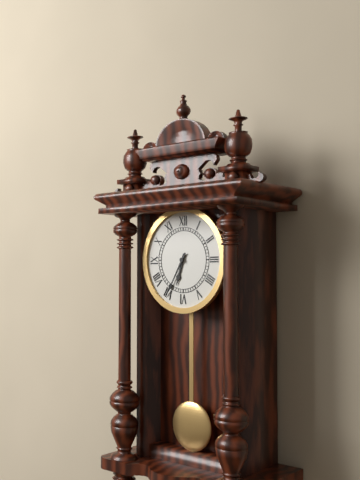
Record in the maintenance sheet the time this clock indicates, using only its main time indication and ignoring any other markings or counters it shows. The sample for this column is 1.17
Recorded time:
6.35
